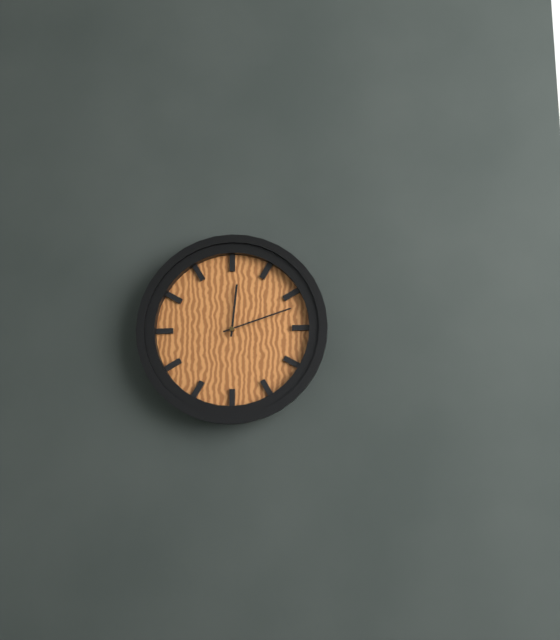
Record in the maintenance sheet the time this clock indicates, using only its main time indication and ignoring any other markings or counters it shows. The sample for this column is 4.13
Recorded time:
12.12
